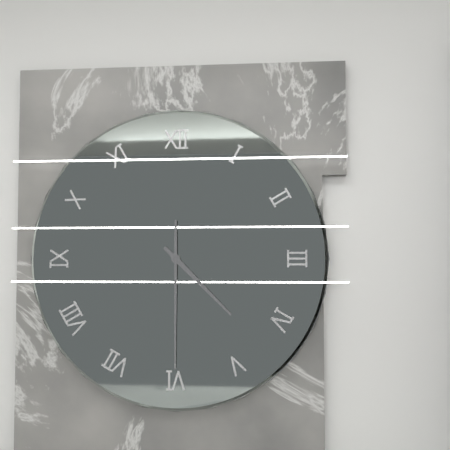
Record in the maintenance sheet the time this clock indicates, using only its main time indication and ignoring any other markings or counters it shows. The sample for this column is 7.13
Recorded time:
4.30
